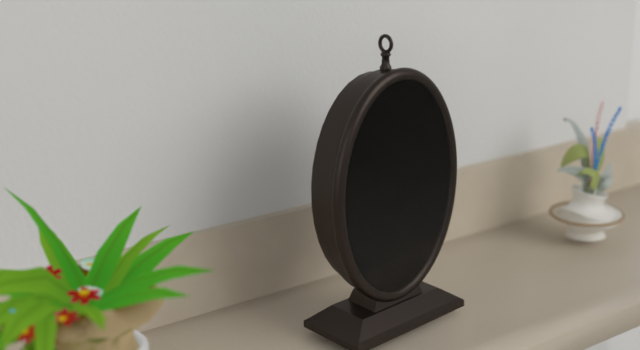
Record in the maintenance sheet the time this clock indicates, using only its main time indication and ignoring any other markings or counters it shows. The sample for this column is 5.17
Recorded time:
11.00
